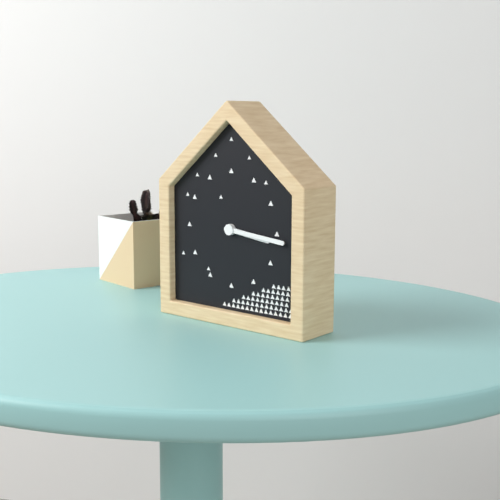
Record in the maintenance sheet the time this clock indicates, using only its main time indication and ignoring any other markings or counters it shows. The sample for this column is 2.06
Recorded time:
3.16
